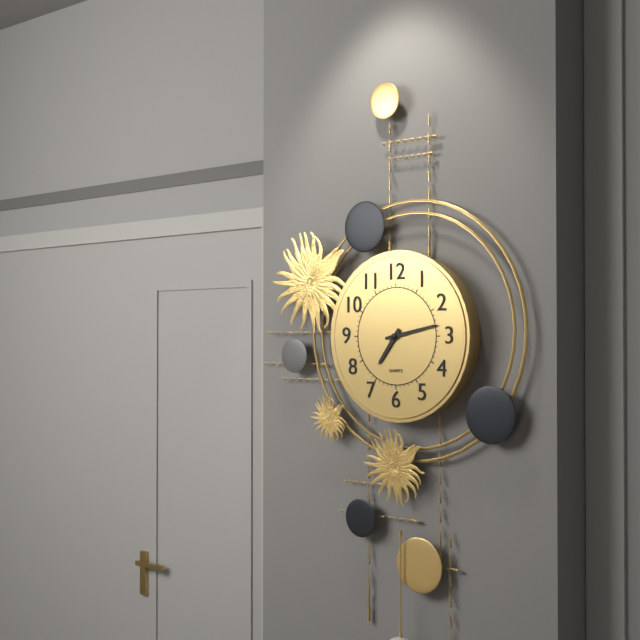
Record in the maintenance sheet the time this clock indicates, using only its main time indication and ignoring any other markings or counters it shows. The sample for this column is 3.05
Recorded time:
7.13
